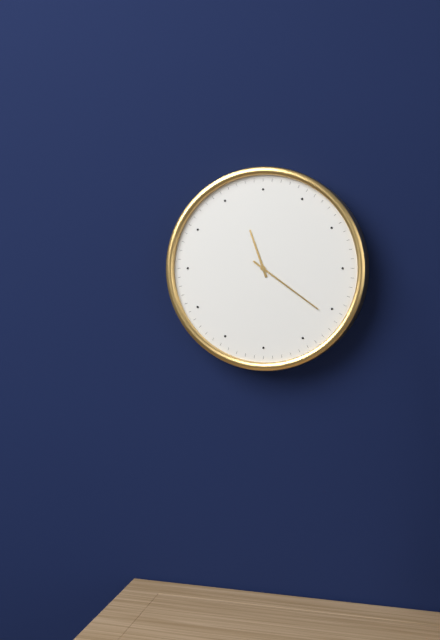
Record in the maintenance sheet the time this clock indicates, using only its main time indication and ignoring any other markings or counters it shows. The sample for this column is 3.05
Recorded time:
11.21
